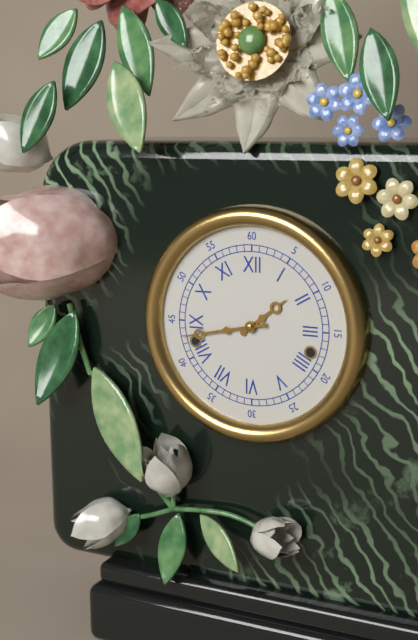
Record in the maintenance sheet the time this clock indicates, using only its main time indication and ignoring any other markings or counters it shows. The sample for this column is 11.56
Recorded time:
1.43
